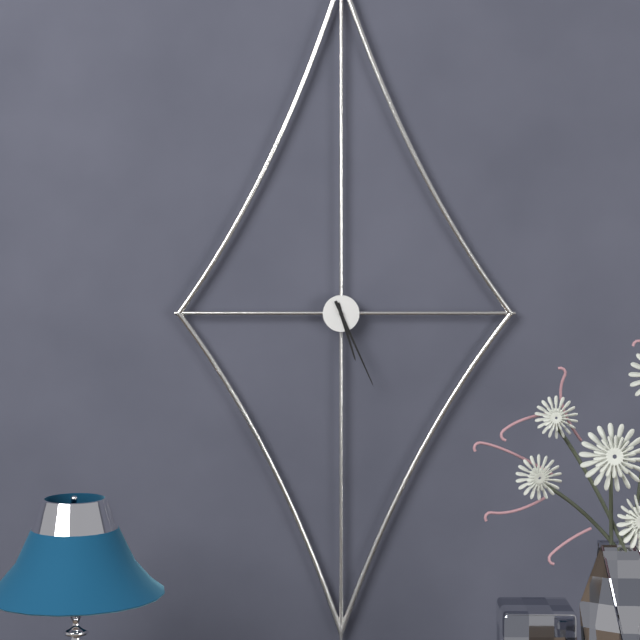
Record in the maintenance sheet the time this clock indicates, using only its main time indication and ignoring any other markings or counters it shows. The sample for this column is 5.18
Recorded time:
5.26
